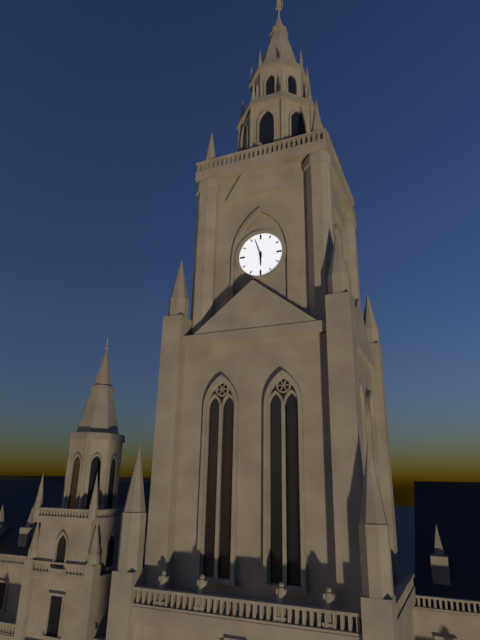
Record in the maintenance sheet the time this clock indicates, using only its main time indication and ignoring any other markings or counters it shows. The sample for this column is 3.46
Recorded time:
5.57
